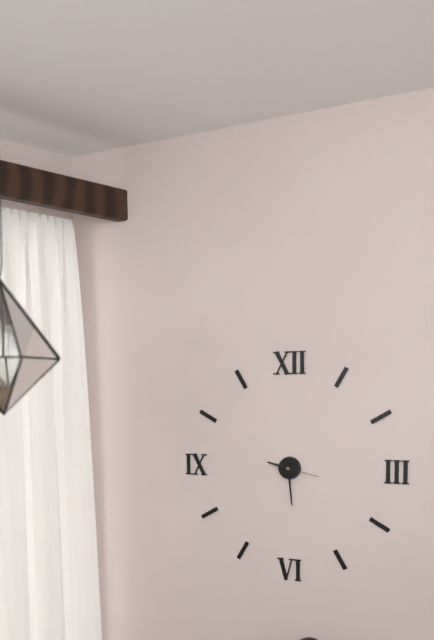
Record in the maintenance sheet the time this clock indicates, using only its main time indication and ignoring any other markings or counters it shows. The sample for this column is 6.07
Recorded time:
9.29
